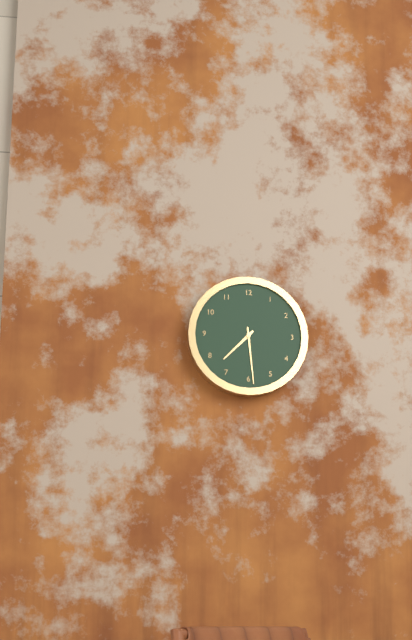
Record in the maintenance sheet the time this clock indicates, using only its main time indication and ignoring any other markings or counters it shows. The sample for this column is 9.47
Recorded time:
7.29
